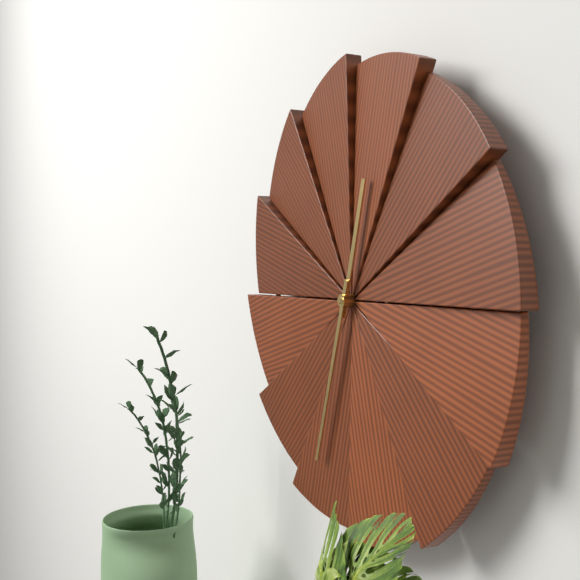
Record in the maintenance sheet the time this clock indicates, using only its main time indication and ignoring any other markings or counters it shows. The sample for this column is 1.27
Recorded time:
12.33
